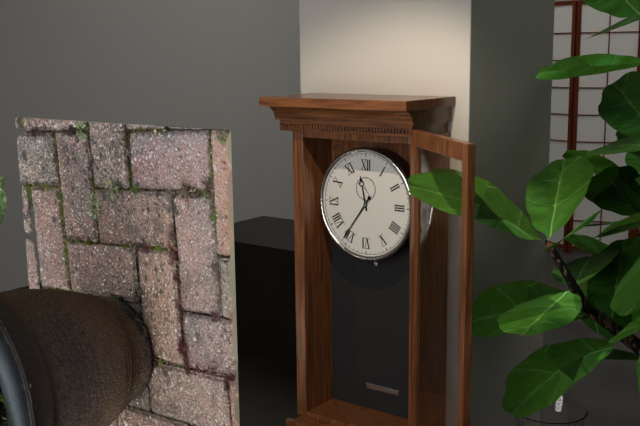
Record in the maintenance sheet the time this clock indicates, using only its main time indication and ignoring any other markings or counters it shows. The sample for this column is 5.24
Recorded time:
11.36
